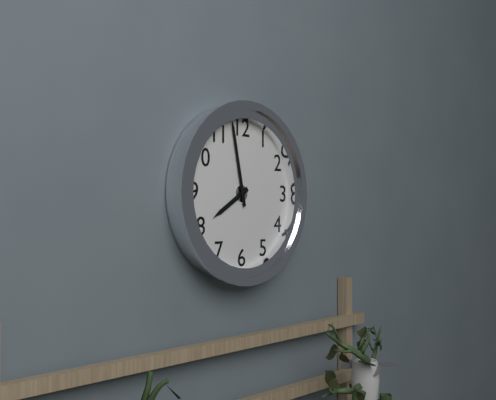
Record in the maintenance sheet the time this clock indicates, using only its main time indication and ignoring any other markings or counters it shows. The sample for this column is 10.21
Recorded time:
7.58
